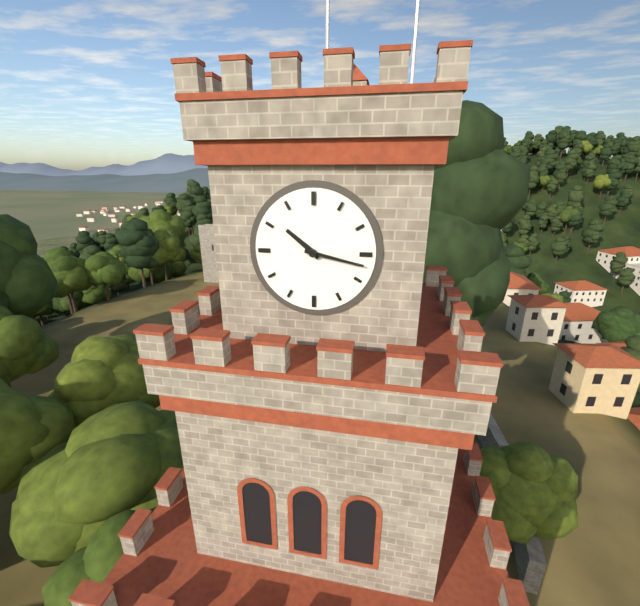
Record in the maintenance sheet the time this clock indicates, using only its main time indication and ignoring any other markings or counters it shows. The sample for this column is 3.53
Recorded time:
10.17
